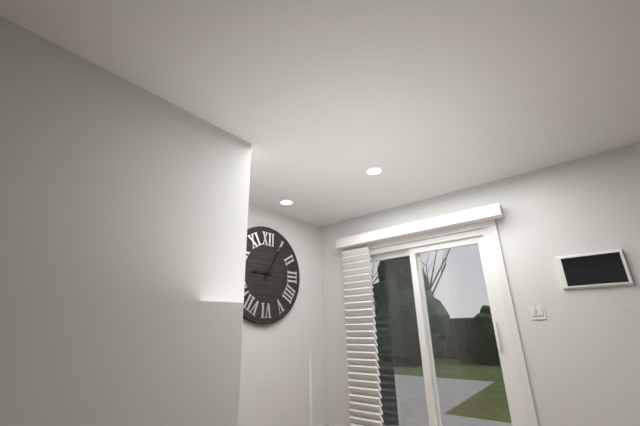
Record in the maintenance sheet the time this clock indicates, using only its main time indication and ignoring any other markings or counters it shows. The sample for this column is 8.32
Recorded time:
9.05
